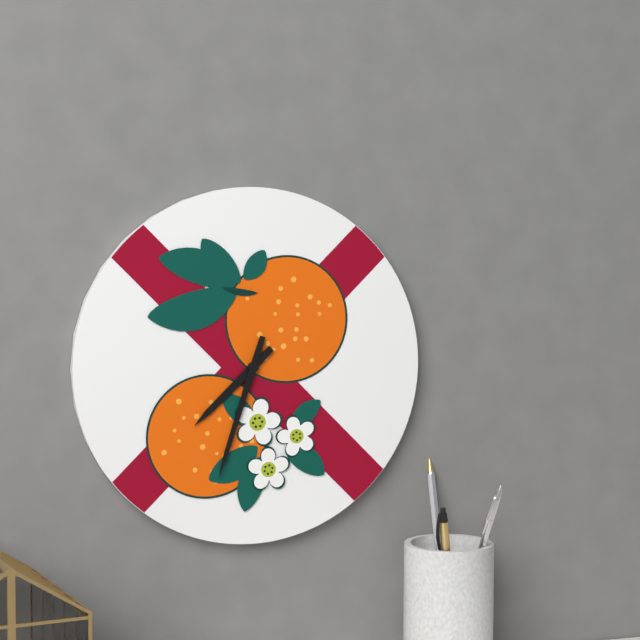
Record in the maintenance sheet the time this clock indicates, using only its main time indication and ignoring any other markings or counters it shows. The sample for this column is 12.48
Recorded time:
7.33
